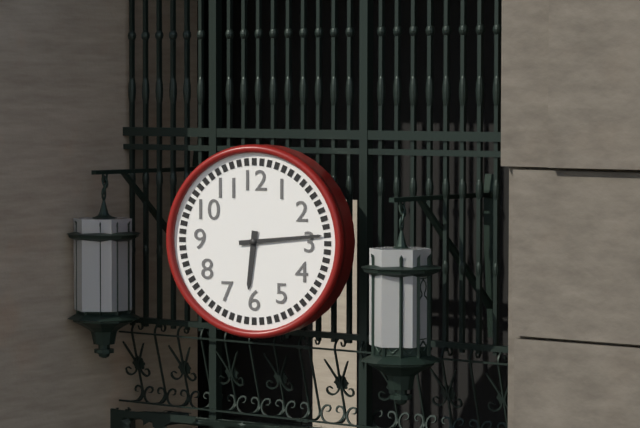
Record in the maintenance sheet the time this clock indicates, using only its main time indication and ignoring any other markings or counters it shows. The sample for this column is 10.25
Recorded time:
6.14
